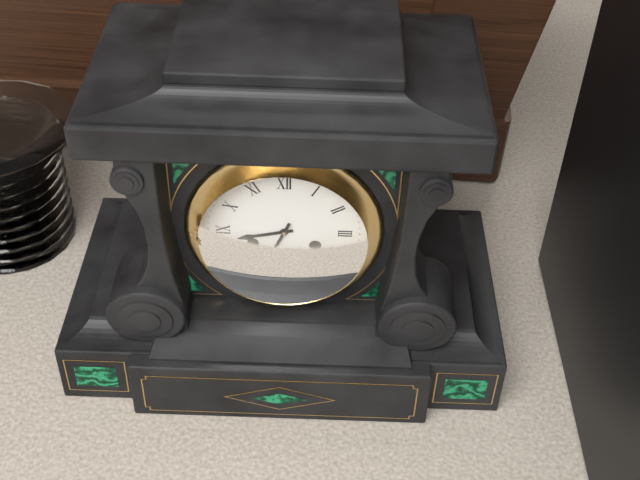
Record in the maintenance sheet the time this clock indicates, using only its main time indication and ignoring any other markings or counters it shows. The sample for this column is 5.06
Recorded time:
8.34
